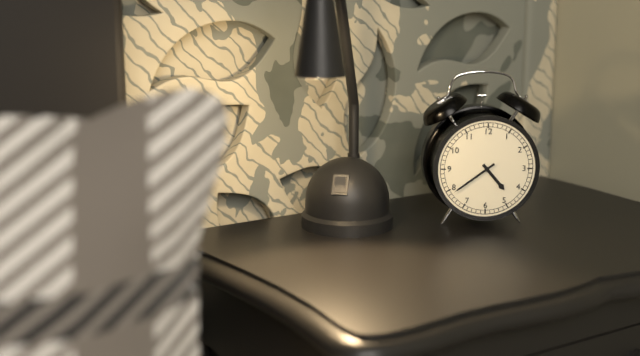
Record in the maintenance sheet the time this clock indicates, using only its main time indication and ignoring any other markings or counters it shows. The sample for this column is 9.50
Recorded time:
4.39
